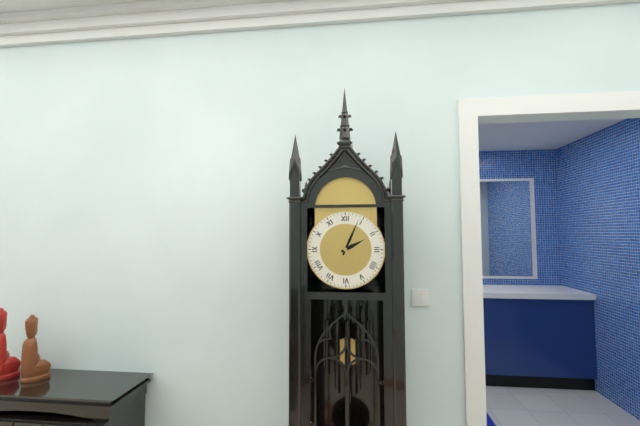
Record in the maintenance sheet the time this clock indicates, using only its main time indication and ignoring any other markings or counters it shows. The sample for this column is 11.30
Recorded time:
2.04
